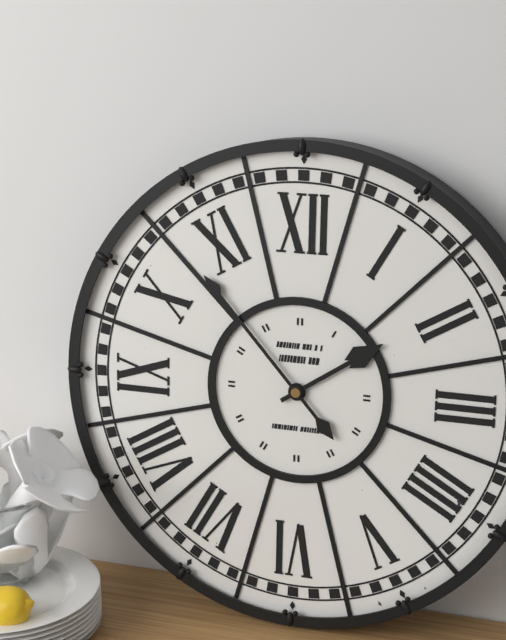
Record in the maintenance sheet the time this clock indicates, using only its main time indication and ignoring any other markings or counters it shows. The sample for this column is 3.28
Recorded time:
1.53
